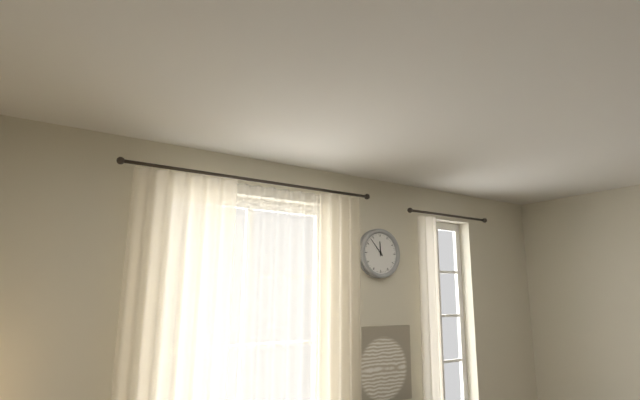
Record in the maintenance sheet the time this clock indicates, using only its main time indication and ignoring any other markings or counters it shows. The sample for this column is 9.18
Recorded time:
11.53
